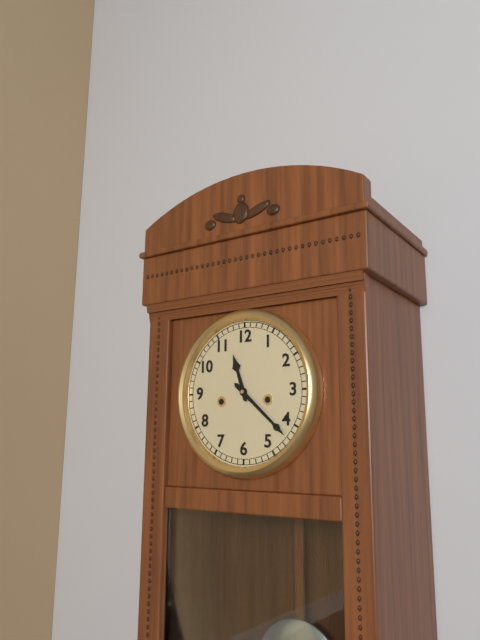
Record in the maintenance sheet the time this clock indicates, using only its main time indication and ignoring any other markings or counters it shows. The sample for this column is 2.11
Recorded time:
11.22
